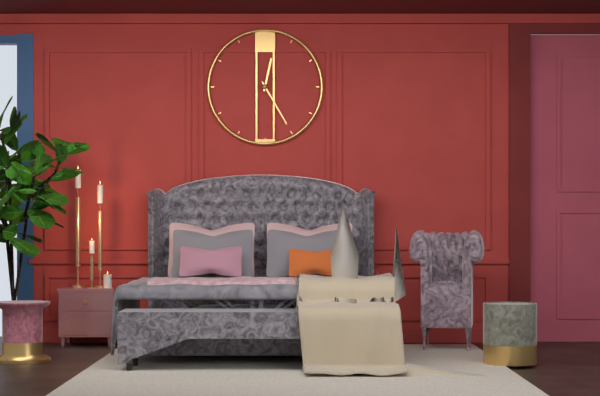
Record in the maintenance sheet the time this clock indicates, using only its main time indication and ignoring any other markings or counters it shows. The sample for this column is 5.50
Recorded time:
12.25
